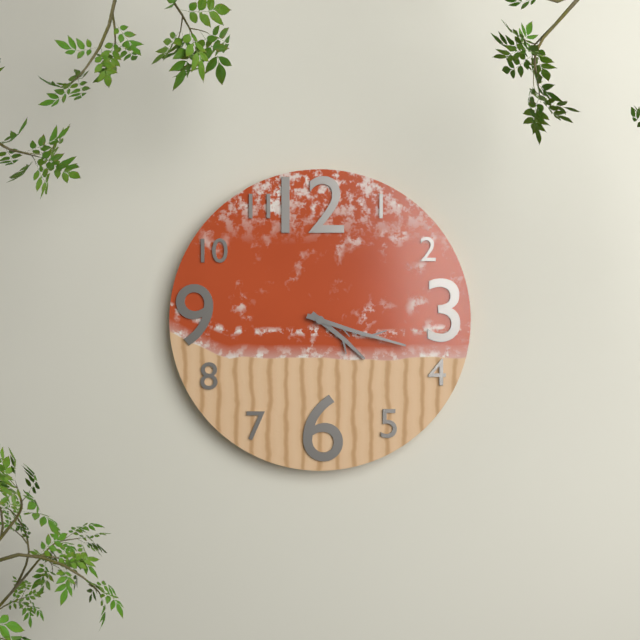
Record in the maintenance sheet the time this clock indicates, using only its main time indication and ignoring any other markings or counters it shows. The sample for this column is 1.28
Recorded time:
4.18
